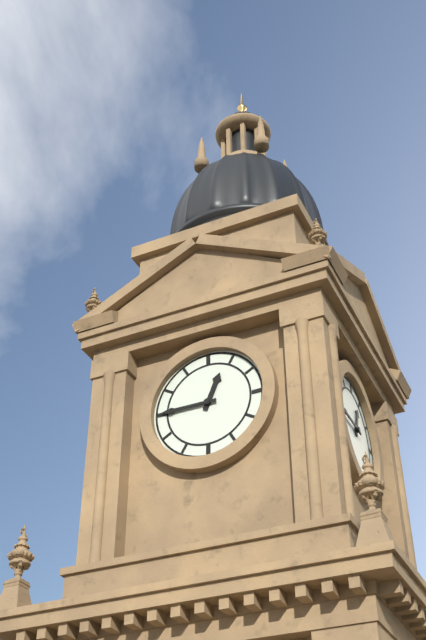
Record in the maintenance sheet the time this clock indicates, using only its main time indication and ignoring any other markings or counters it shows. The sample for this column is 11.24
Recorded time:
12.45
